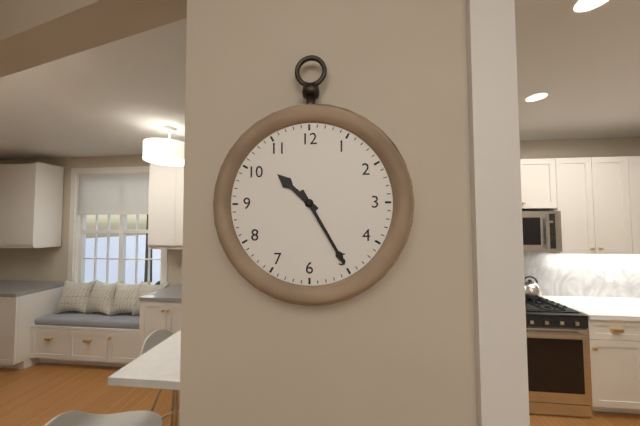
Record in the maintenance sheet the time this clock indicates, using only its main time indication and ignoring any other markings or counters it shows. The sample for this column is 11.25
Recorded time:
10.25
